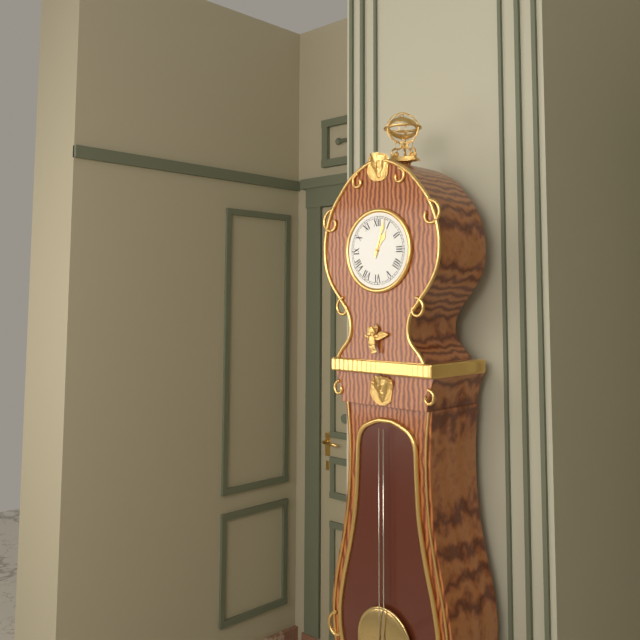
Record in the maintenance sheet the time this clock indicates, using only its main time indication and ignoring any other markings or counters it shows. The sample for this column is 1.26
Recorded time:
1.03
